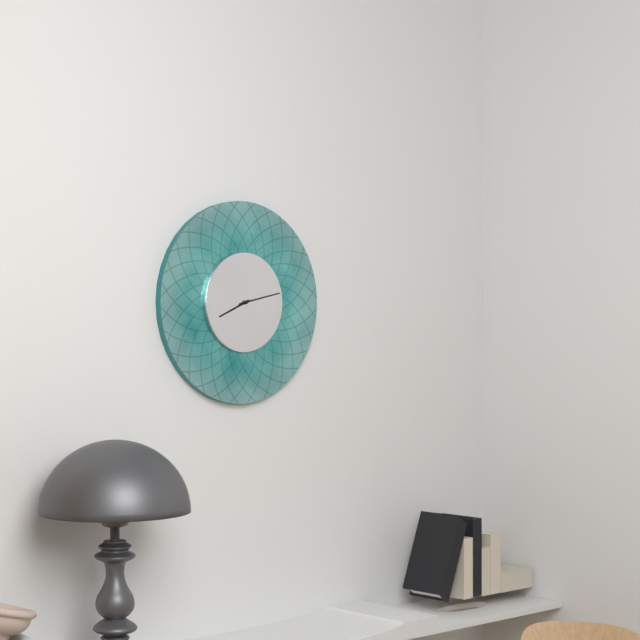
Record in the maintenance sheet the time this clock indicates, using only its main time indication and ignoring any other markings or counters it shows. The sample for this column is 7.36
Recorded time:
8.13
